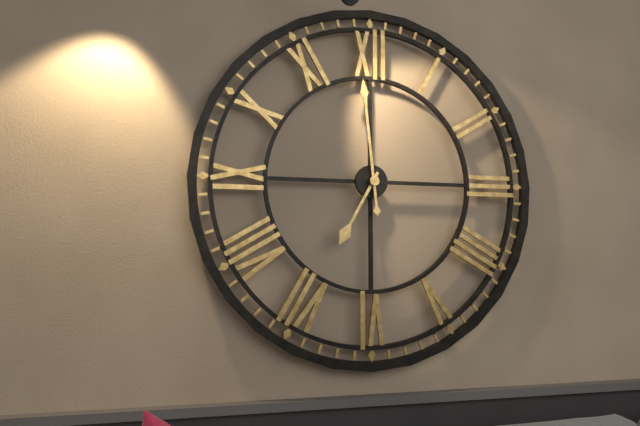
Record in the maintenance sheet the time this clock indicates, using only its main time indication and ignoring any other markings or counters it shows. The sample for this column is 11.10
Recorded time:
6.59
